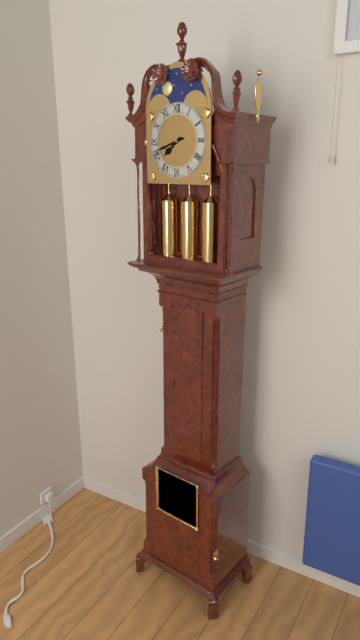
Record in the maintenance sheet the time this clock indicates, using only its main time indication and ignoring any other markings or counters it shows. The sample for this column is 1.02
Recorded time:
7.42
